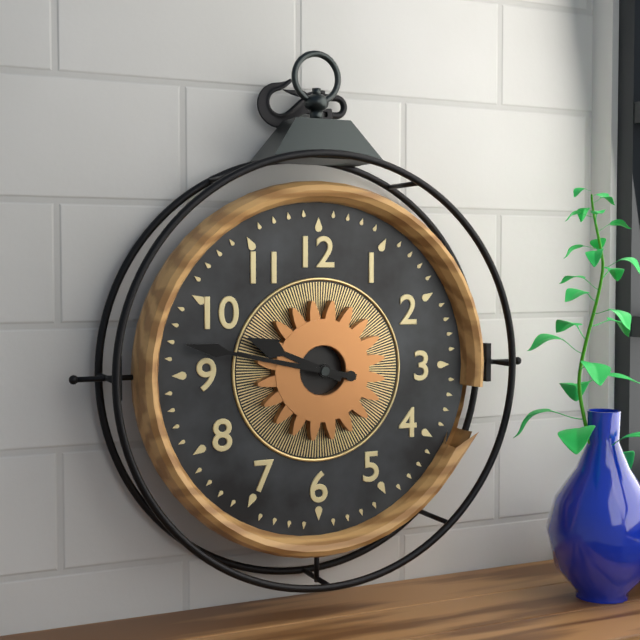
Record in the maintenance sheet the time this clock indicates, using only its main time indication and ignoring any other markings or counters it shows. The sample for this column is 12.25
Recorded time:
9.47
